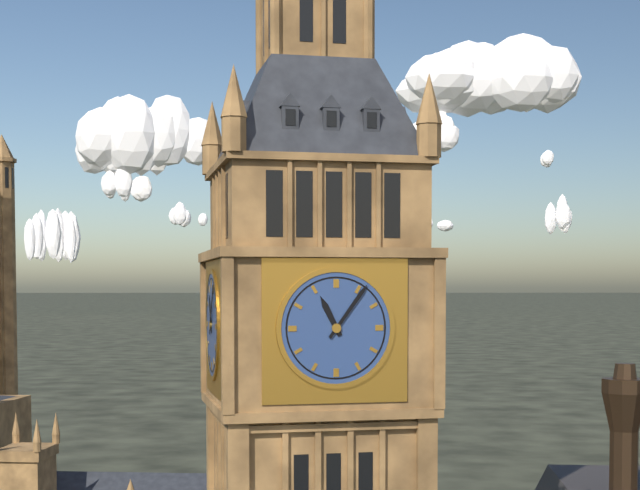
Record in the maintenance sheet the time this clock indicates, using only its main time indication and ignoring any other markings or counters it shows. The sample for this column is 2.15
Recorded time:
11.06
